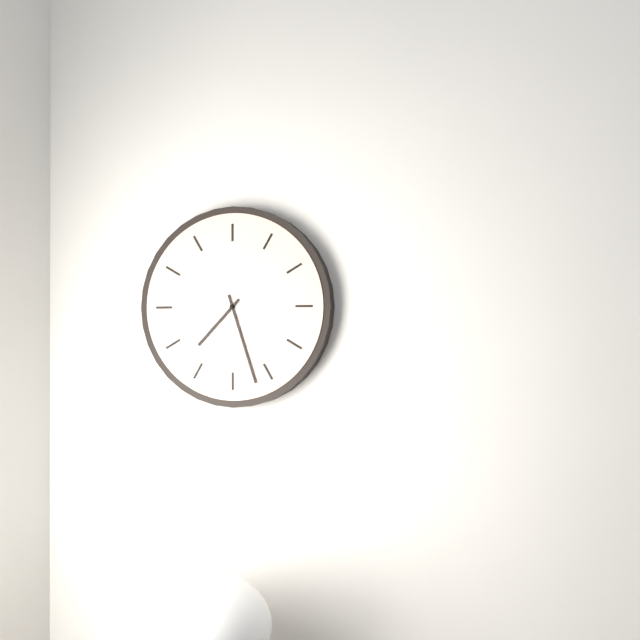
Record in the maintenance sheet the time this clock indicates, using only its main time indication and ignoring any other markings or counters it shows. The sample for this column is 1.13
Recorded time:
7.27
